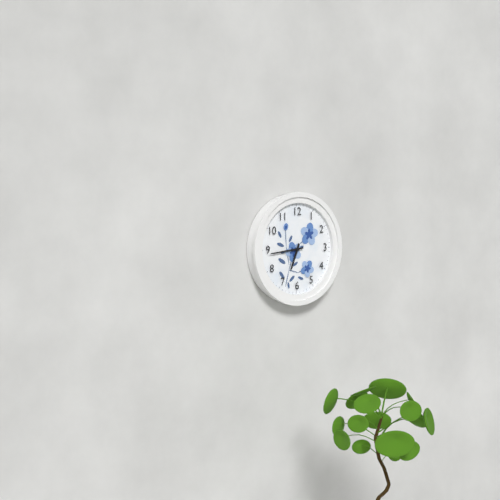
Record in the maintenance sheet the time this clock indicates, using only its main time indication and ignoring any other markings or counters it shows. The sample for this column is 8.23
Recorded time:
6.44
